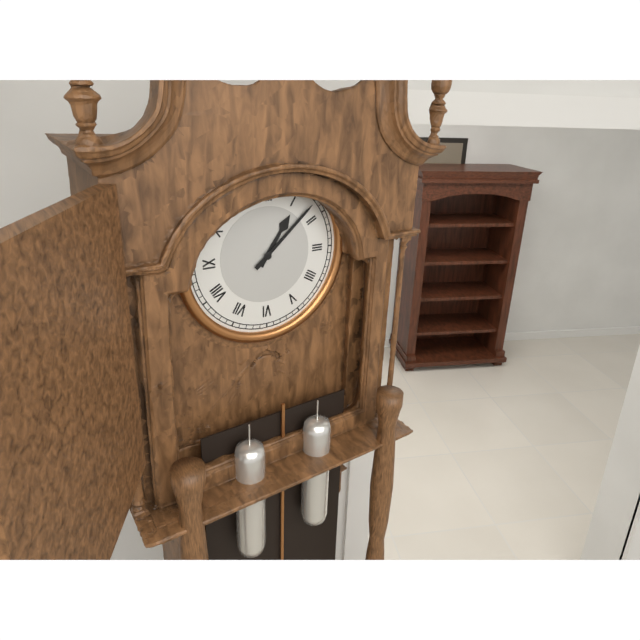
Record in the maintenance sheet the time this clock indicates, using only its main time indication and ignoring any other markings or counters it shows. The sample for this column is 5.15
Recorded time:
1.08
